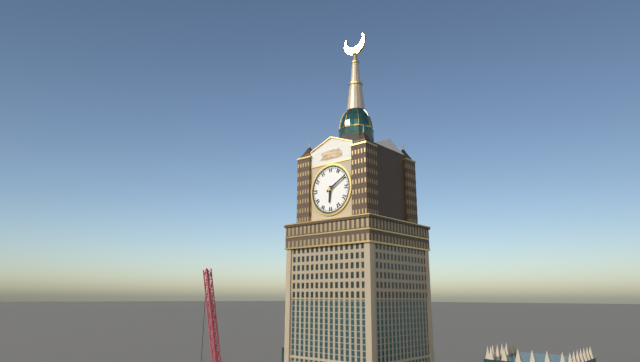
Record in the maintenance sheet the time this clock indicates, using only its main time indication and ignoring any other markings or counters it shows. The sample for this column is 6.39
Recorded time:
6.10
